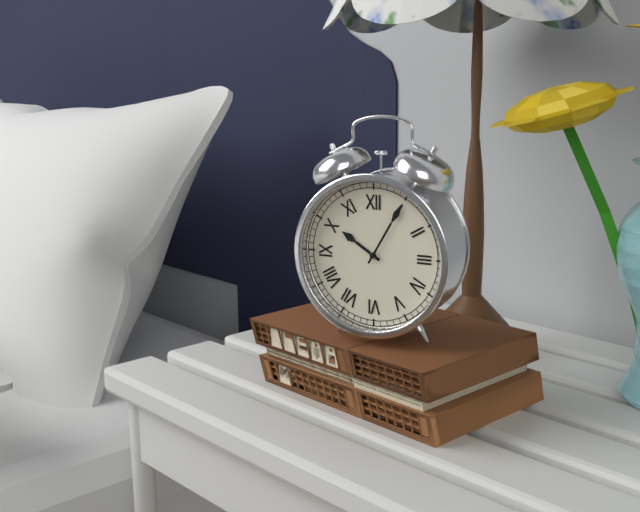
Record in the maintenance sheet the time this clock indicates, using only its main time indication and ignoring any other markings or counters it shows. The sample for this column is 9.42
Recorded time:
10.05
